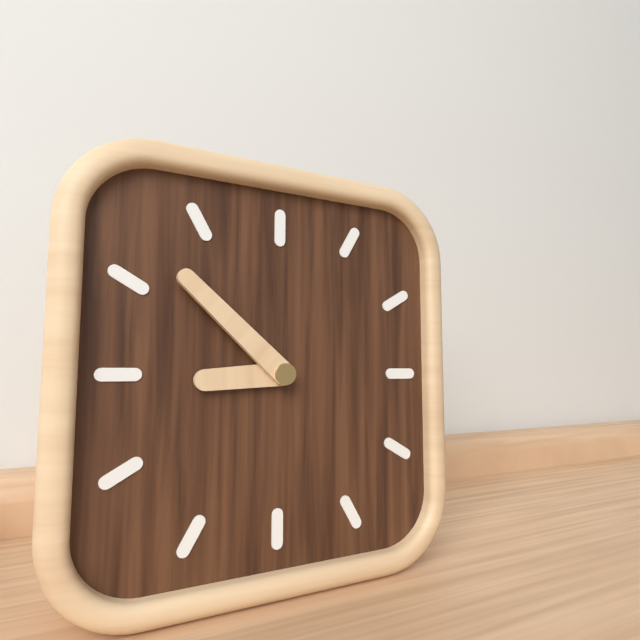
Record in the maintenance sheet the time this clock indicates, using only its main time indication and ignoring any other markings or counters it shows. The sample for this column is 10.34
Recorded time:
8.52
